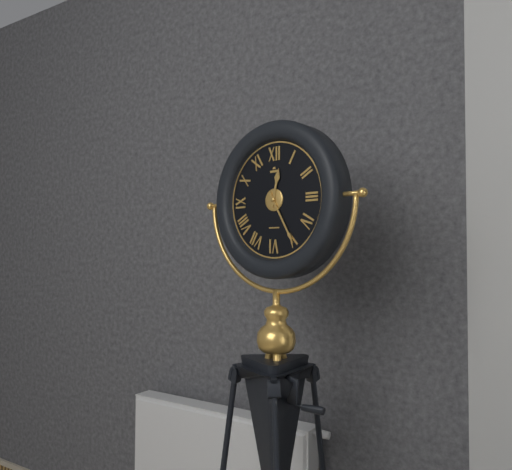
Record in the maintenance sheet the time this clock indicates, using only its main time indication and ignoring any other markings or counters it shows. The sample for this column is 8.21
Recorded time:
12.25
